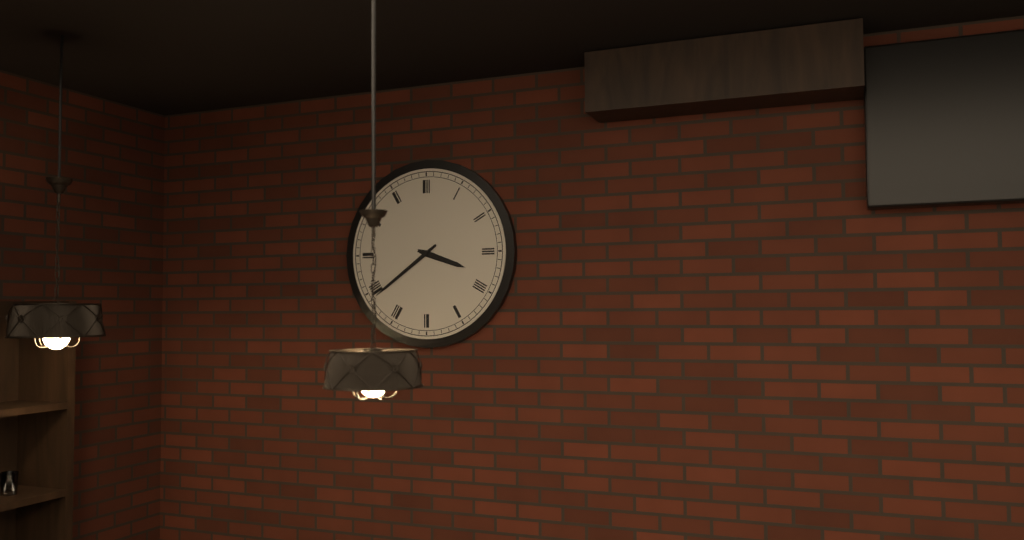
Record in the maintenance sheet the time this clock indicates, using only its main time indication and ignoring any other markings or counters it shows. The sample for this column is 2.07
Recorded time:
3.39
